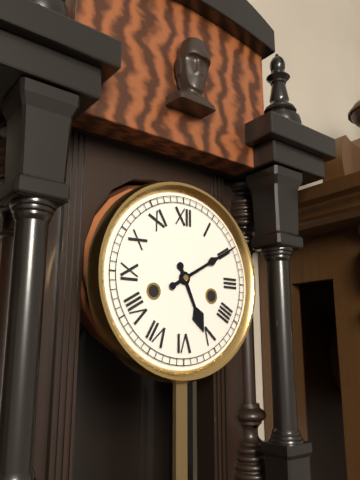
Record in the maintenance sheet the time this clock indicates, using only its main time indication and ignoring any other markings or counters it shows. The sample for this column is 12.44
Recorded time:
5.10
